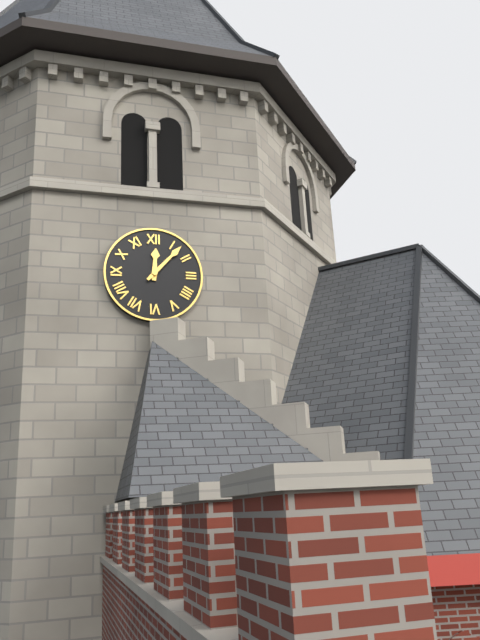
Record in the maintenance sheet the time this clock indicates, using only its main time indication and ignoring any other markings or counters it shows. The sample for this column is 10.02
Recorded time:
12.07
